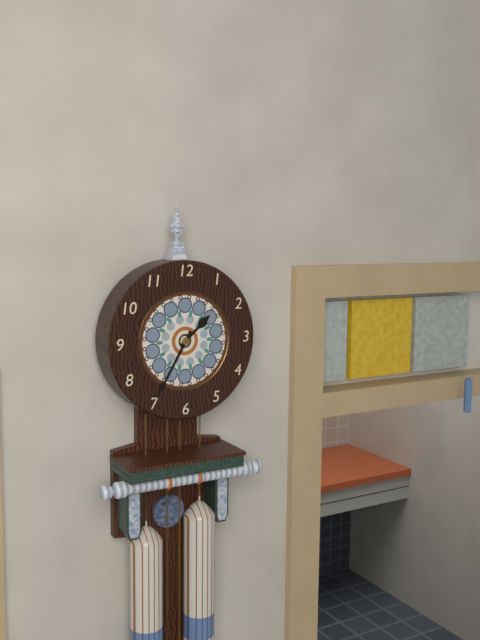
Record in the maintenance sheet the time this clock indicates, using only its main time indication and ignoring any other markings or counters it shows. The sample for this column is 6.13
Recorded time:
1.35
